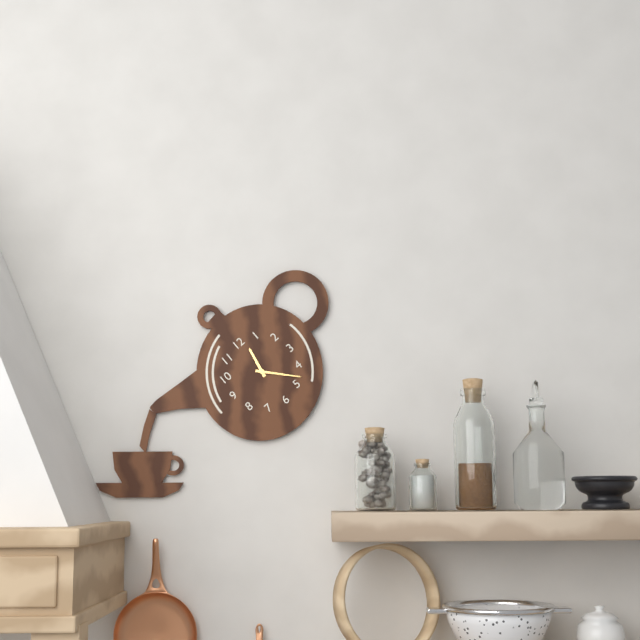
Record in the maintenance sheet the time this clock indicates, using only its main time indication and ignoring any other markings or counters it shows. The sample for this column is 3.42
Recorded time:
12.23
